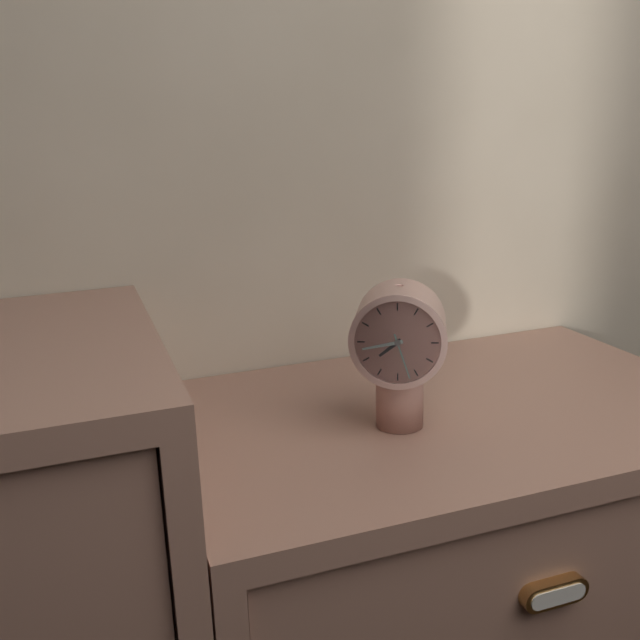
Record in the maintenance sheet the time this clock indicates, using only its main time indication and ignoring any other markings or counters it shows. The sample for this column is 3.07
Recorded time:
7.43
